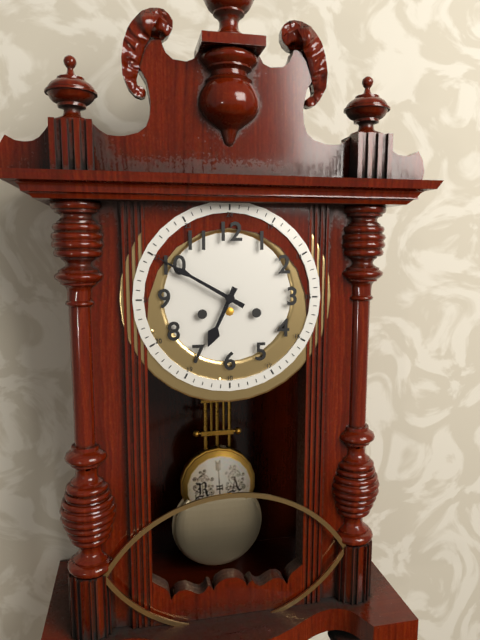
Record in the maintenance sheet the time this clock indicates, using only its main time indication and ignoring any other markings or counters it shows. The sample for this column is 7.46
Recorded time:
6.50
